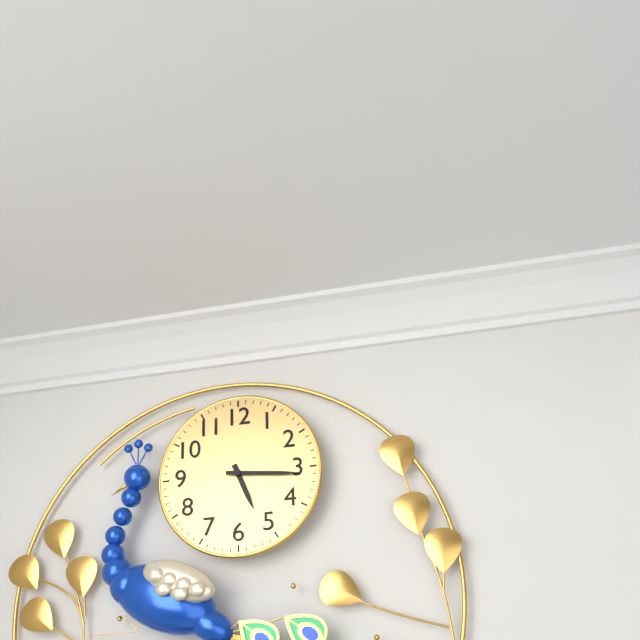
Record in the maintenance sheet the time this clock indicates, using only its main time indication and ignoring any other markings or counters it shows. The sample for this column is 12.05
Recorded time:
5.16
